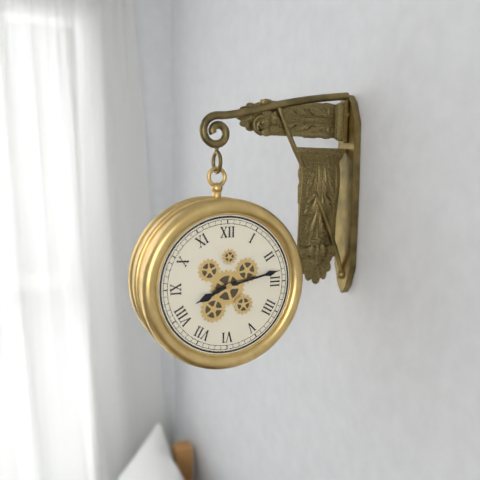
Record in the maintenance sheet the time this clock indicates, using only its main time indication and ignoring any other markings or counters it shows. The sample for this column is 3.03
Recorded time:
8.13
